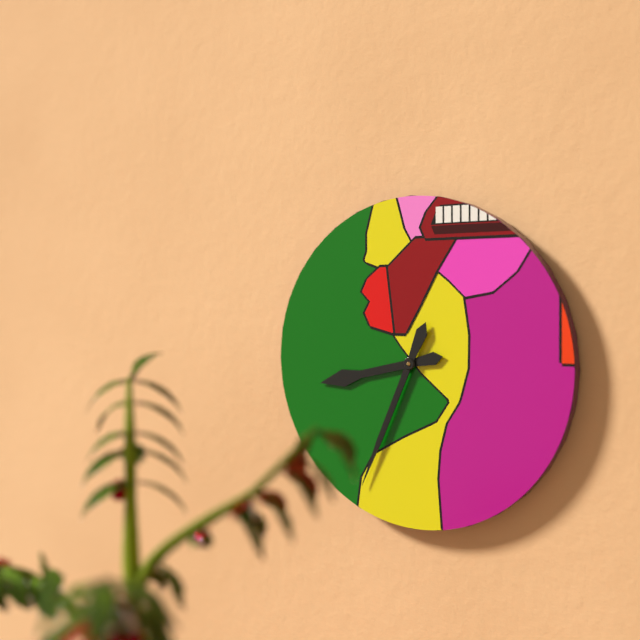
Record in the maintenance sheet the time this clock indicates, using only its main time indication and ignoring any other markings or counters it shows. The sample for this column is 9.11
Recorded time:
8.34
